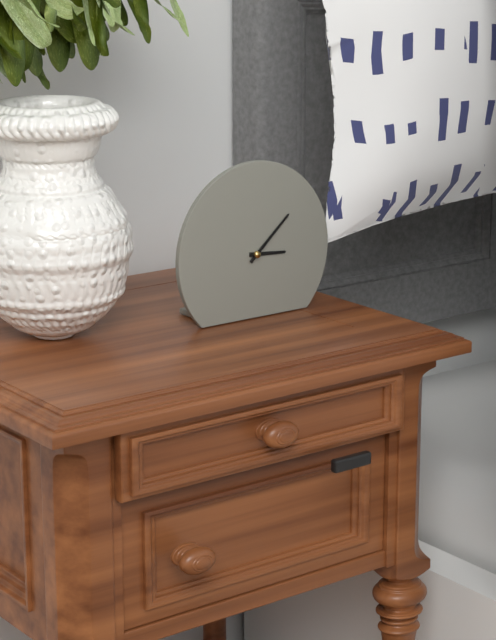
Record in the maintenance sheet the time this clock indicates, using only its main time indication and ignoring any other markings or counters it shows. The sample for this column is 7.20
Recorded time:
3.08
